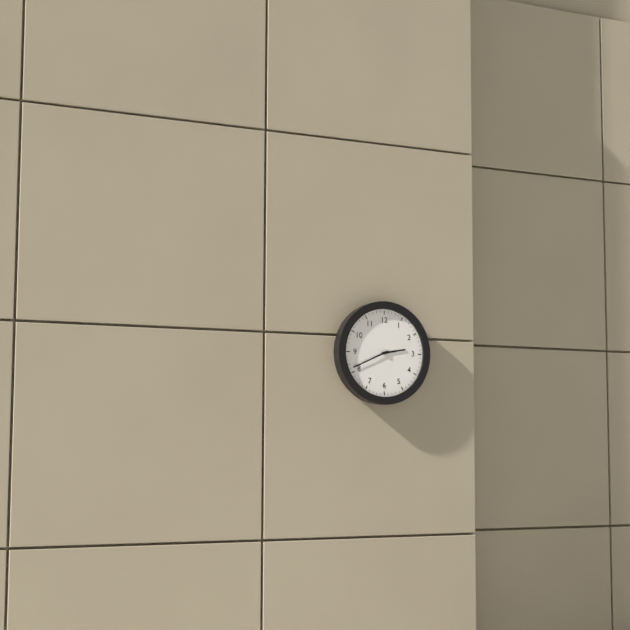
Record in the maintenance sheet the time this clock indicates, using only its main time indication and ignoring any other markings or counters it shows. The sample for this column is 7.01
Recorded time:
2.41
